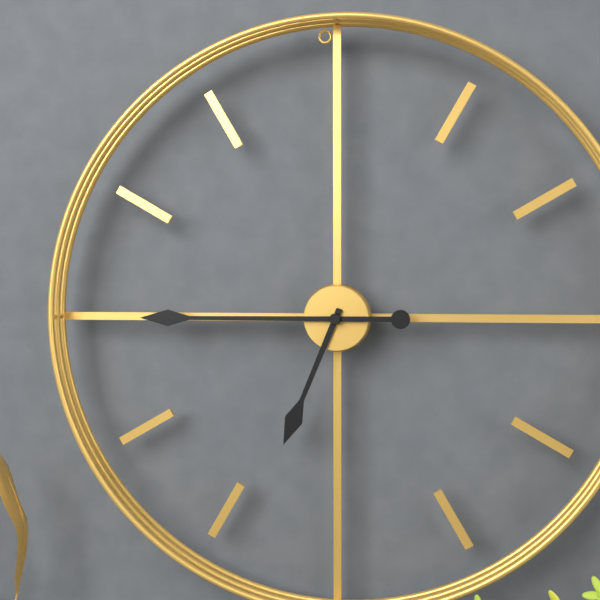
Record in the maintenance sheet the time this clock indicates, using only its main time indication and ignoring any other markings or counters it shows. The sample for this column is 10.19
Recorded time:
6.45
